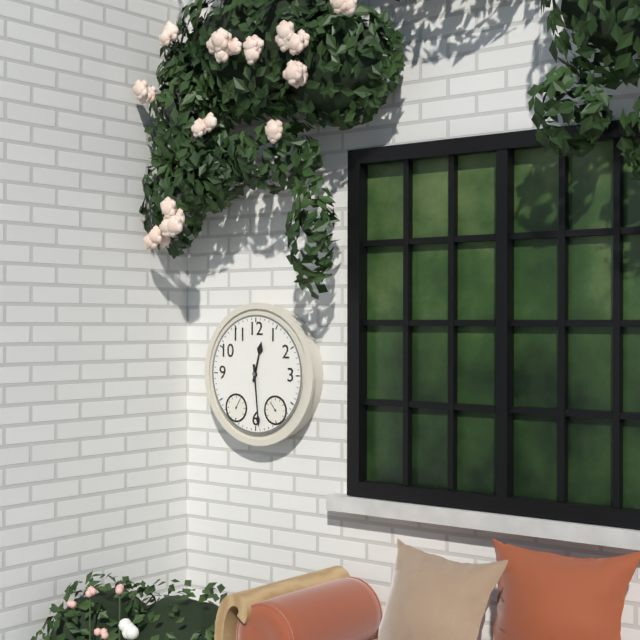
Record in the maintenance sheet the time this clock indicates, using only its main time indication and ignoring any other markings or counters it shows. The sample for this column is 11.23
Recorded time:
12.29
